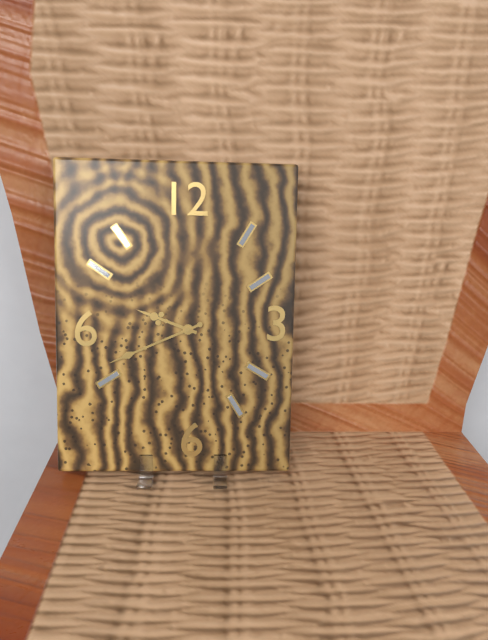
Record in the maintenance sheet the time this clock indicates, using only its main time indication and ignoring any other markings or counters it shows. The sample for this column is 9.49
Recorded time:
9.41
